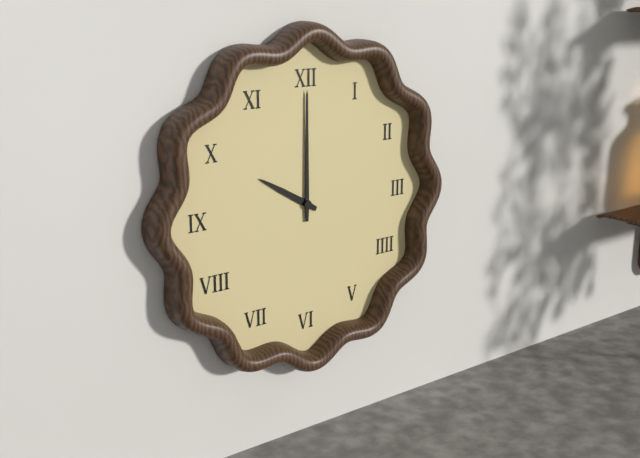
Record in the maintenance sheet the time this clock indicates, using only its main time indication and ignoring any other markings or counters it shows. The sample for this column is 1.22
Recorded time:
10.00
